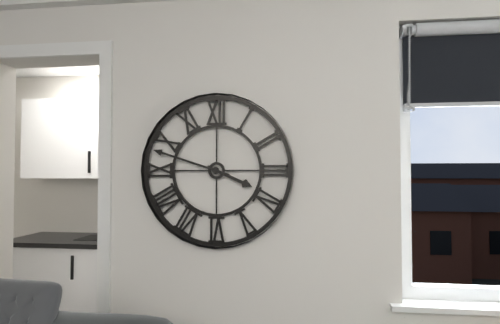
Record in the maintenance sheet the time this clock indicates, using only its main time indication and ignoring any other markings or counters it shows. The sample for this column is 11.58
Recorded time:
3.48
